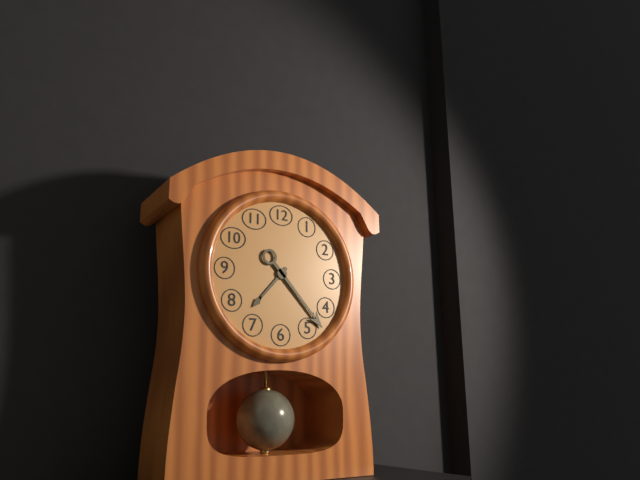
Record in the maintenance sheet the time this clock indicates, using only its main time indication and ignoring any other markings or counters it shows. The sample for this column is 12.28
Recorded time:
7.23
